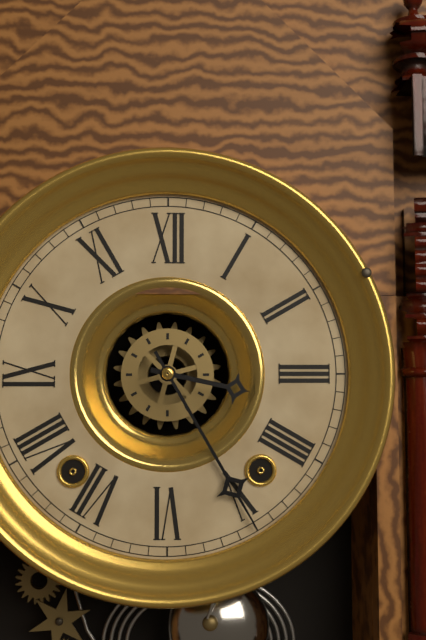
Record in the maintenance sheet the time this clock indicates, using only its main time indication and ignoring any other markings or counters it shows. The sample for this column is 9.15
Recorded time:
3.25
